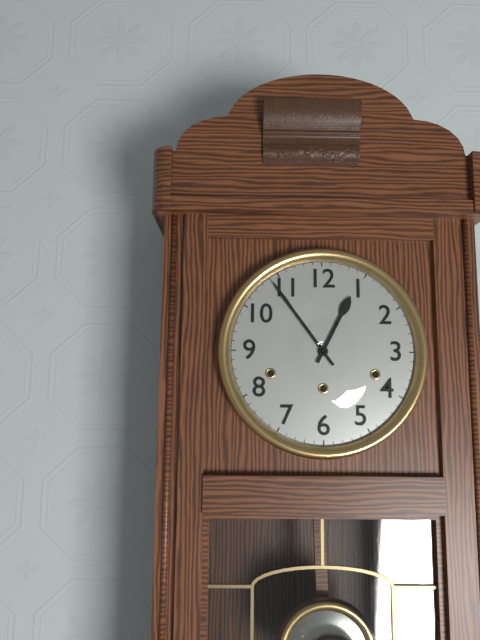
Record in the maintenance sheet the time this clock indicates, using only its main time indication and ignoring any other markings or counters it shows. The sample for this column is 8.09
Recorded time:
12.54
